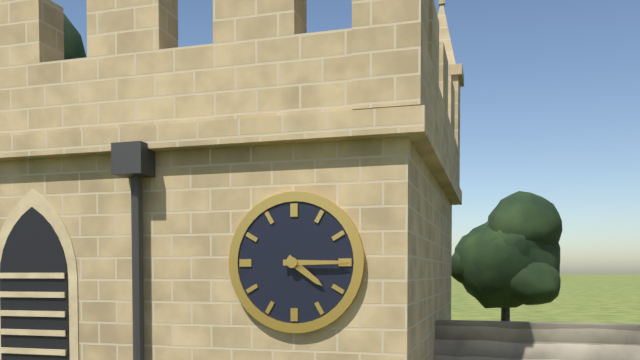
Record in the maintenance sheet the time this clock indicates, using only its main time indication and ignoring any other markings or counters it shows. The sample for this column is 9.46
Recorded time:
4.15
